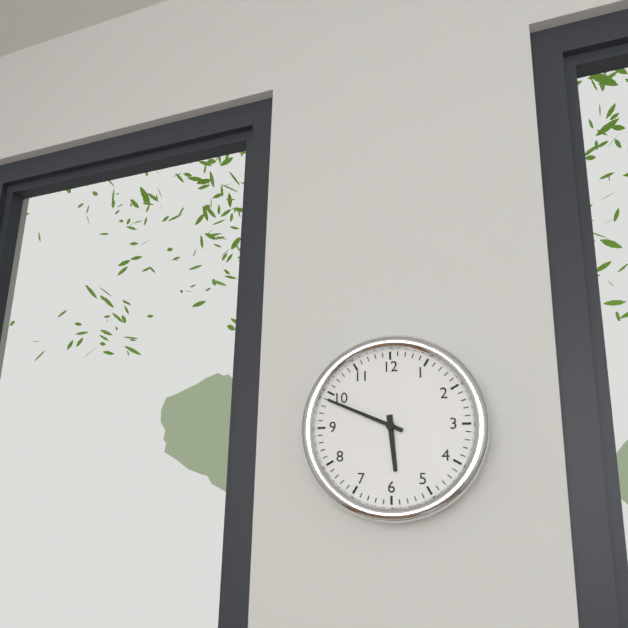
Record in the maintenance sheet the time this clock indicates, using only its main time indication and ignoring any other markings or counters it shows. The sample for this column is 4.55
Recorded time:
5.49
